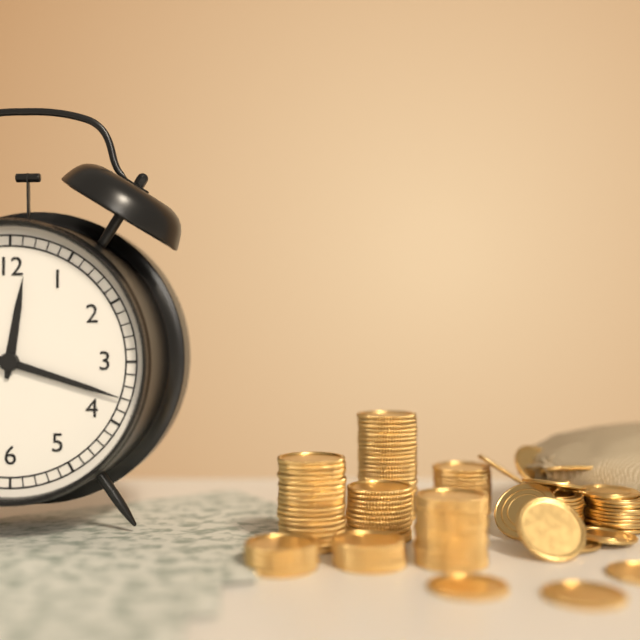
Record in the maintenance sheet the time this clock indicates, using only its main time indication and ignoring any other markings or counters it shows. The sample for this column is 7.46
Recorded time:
12.18
